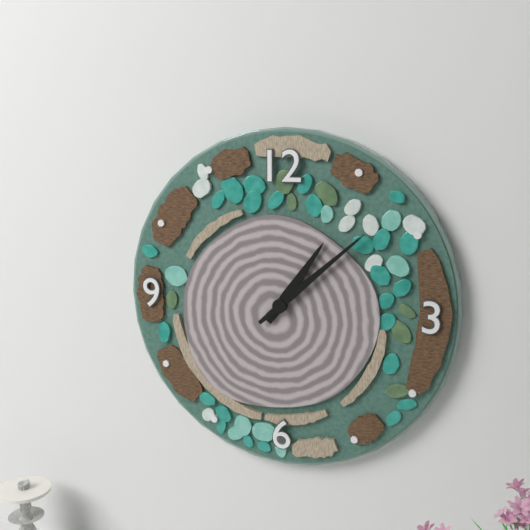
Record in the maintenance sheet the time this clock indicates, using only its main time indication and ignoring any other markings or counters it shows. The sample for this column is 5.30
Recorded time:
1.08
